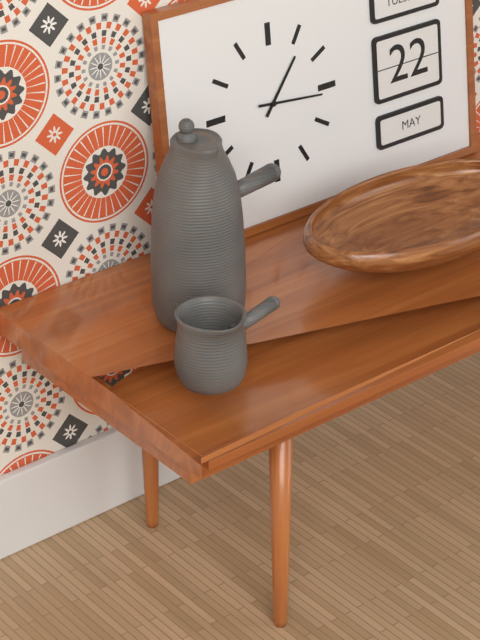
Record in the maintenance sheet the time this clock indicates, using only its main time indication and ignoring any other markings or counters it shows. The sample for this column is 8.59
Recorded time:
1.16
